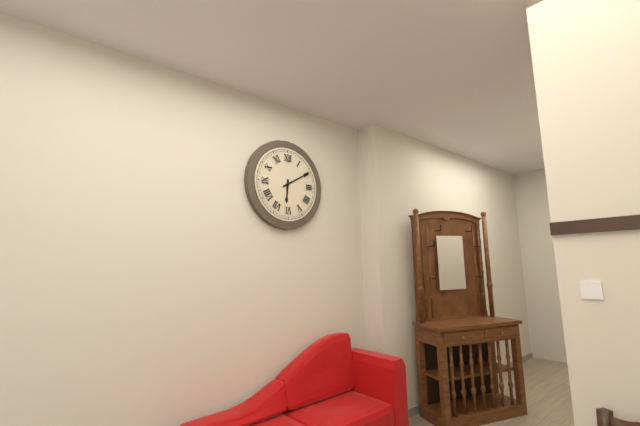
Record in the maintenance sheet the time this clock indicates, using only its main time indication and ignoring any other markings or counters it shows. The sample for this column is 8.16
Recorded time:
6.10
